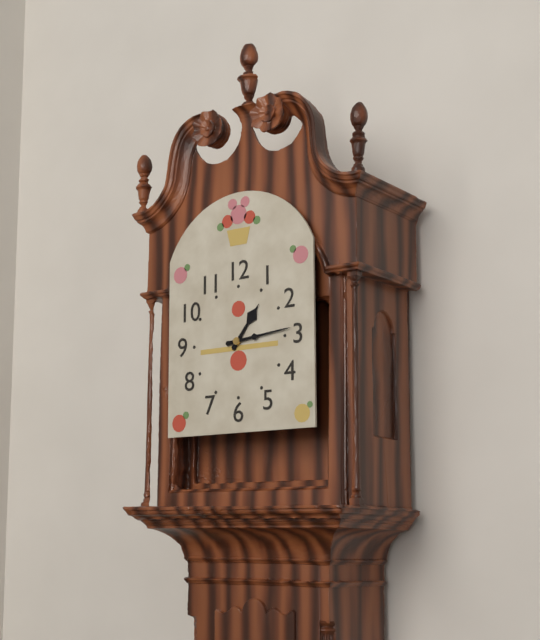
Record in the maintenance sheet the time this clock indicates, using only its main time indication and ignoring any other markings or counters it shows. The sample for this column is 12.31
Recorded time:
1.14
